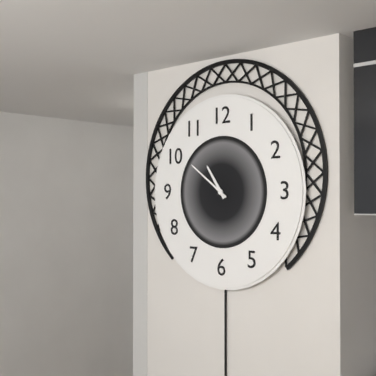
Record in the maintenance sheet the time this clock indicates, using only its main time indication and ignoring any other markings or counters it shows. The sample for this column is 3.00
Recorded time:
10.51
